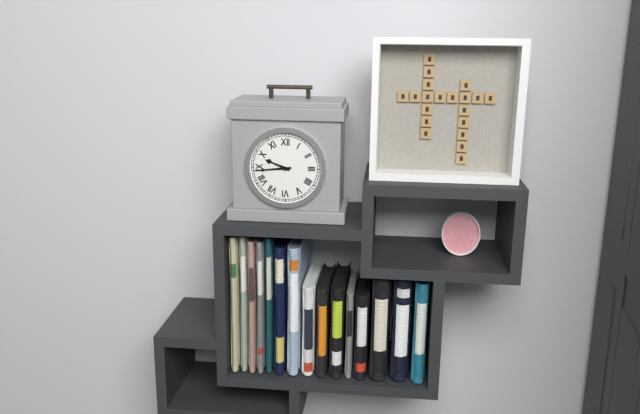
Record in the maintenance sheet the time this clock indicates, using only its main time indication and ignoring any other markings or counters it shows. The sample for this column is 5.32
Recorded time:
9.44
